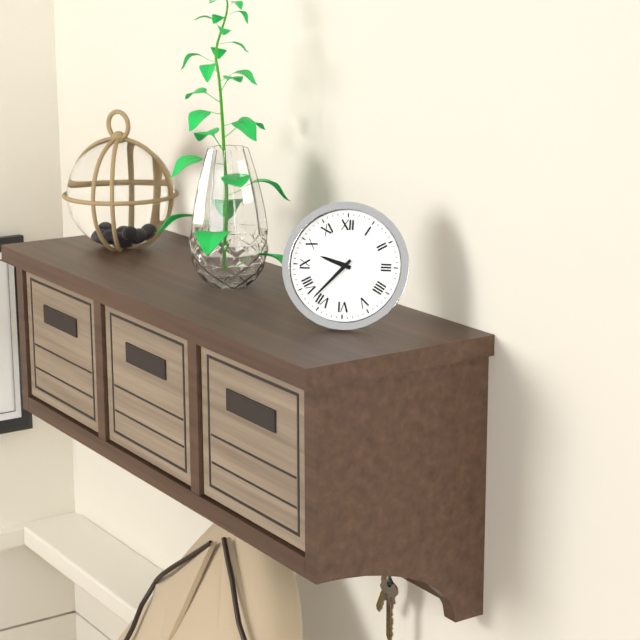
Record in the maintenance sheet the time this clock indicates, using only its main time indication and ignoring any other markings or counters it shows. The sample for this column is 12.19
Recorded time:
9.37
